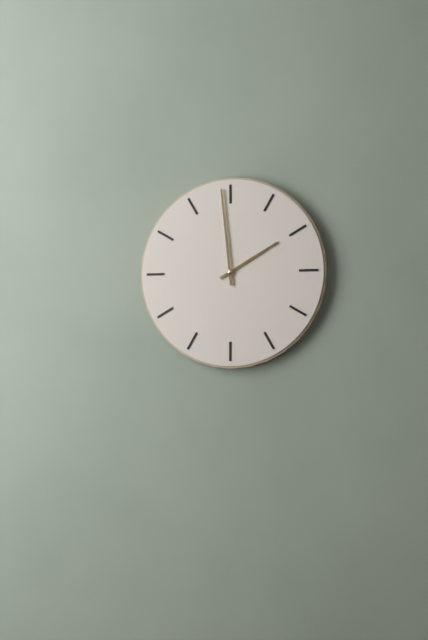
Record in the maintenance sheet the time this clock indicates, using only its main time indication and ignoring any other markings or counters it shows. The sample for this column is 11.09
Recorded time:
1.59
